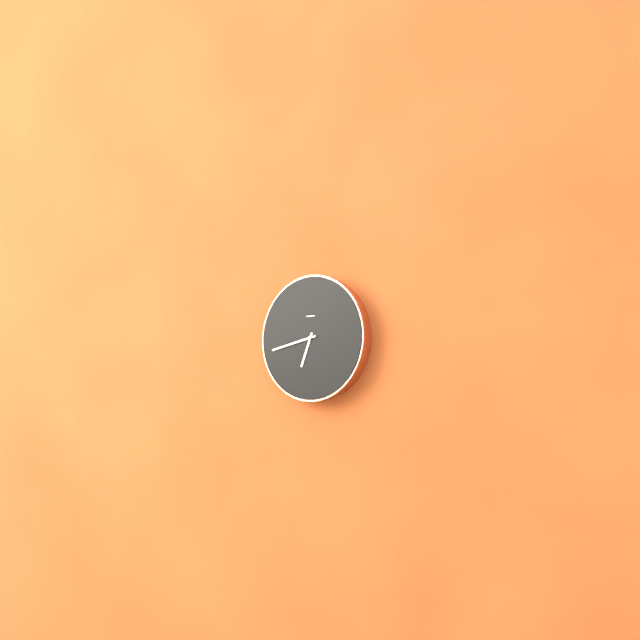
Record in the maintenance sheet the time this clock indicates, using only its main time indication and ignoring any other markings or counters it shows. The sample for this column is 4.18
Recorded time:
6.43
